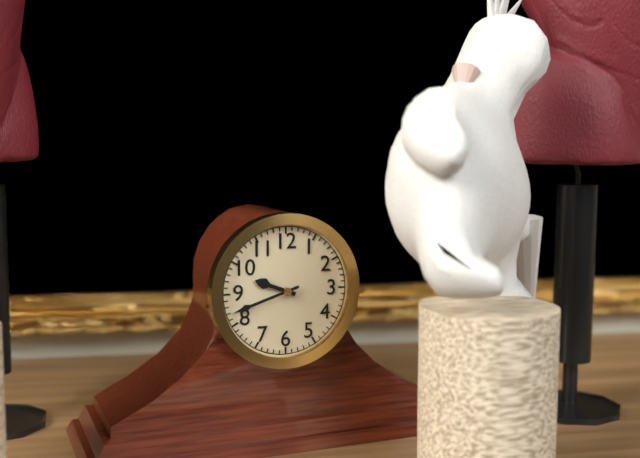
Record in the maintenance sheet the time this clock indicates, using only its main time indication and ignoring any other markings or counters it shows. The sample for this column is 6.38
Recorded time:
9.42
